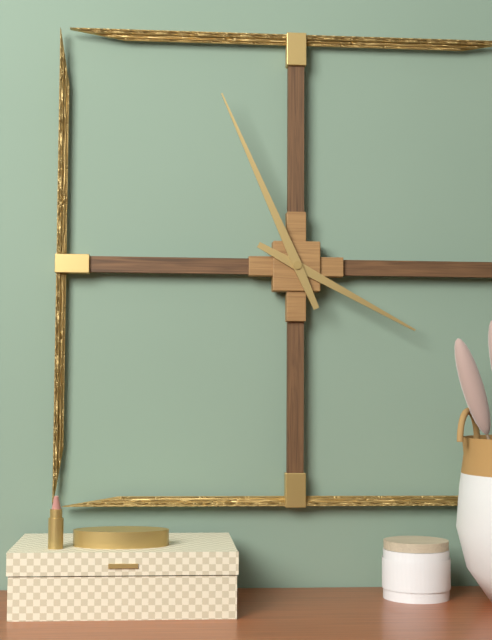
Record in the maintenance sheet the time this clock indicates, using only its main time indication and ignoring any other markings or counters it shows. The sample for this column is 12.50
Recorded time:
3.56
